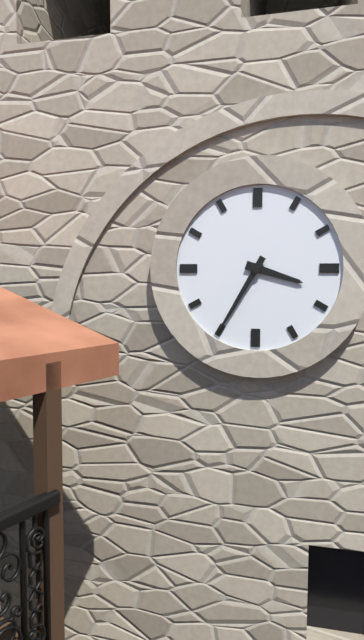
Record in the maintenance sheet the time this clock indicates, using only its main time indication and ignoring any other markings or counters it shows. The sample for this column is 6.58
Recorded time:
3.35
